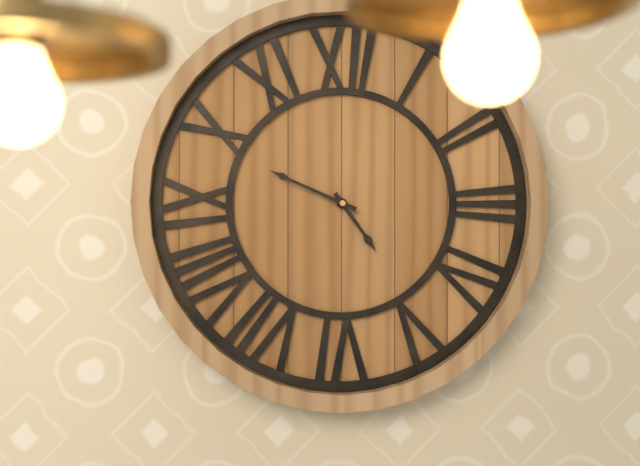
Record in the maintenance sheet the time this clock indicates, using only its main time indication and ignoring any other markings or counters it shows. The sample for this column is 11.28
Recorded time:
4.49
